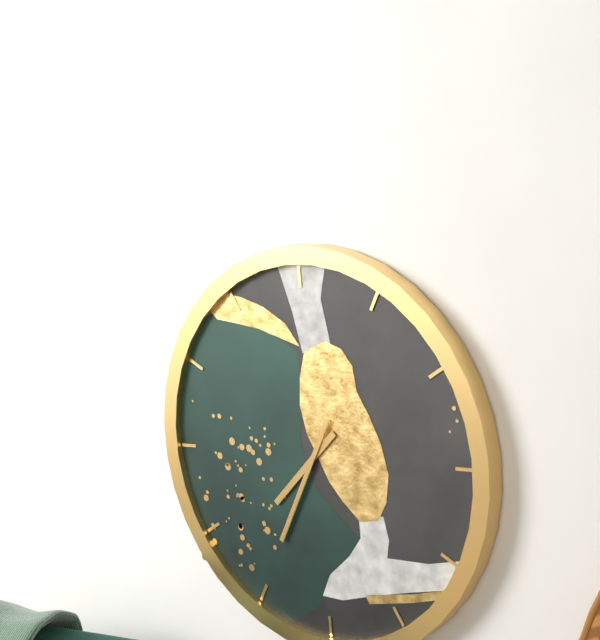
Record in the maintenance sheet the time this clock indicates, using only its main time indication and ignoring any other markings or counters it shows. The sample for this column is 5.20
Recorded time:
7.35
